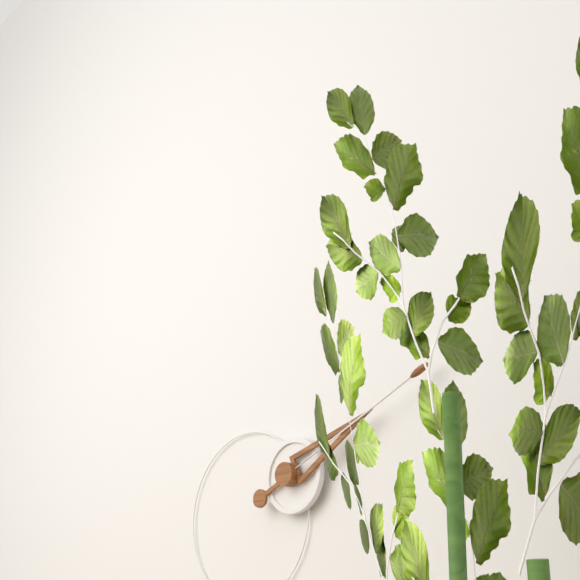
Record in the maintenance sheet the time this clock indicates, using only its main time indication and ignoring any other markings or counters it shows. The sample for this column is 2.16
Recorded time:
2.11
